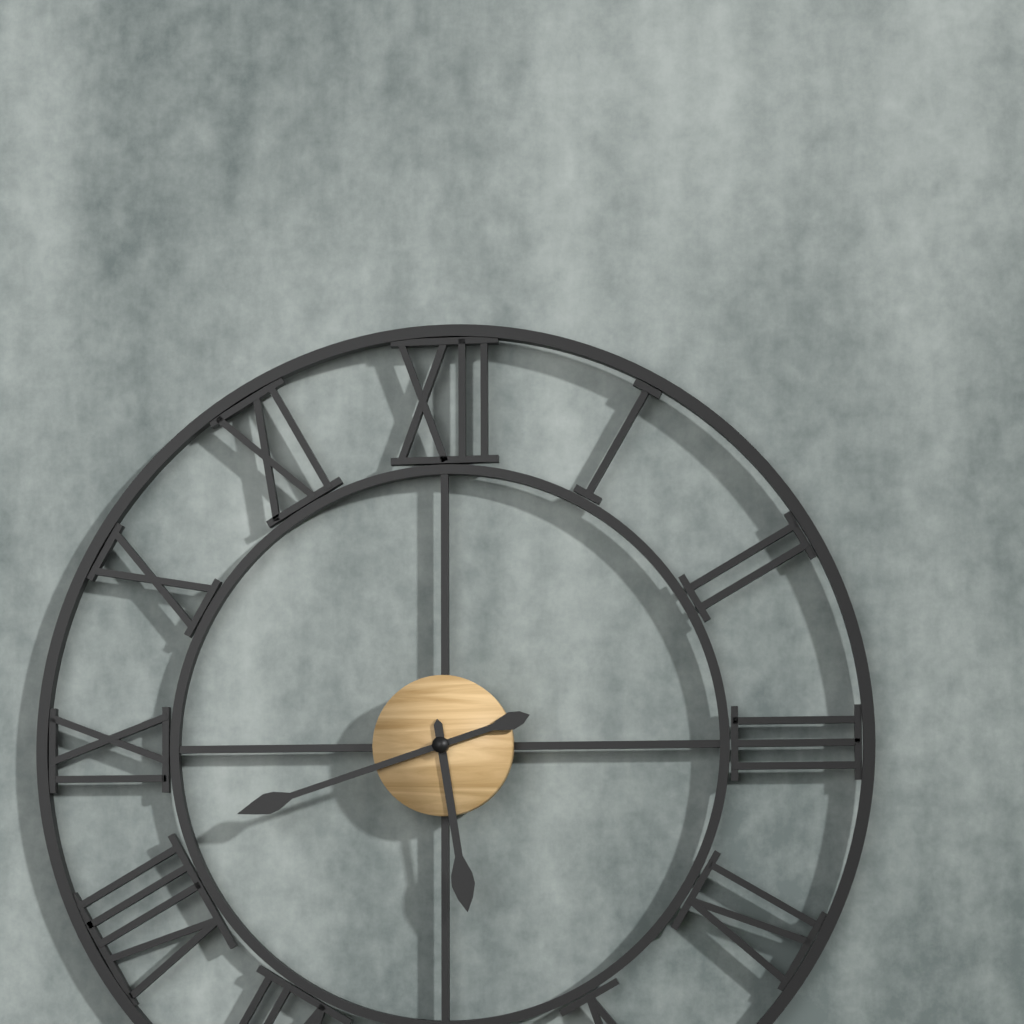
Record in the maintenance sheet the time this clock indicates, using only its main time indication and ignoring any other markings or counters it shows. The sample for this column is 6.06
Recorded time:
5.42
